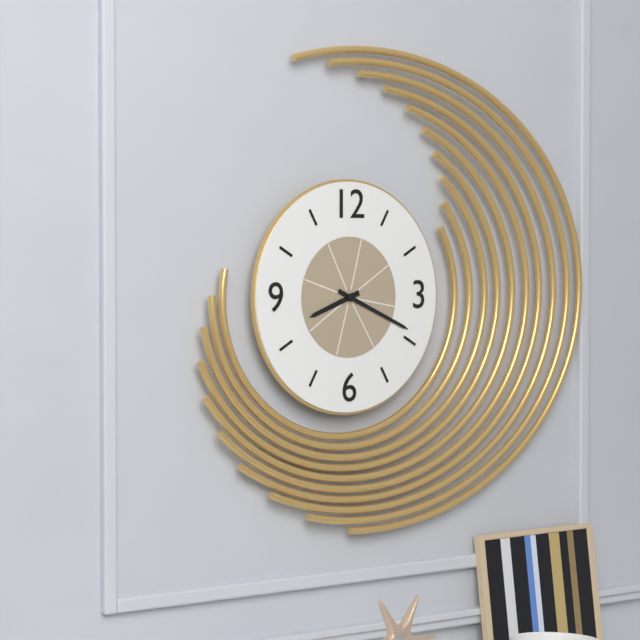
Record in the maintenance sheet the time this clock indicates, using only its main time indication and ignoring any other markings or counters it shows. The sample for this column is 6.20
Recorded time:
8.19
